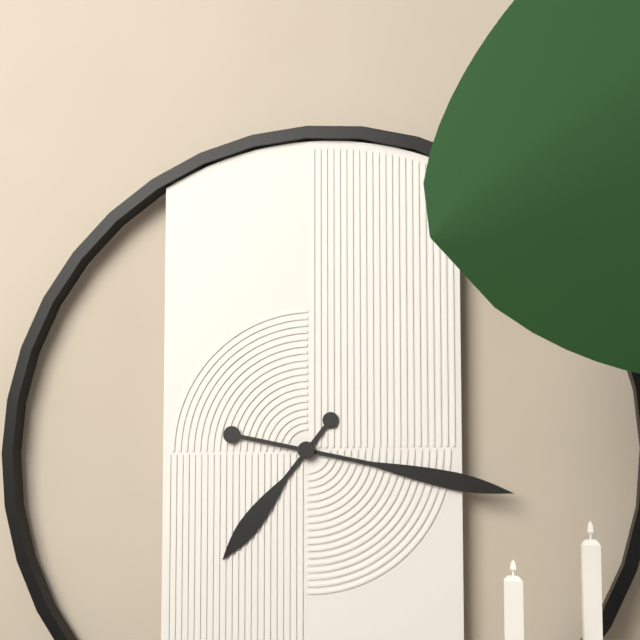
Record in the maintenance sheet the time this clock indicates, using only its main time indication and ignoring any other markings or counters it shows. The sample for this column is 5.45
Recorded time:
7.17
